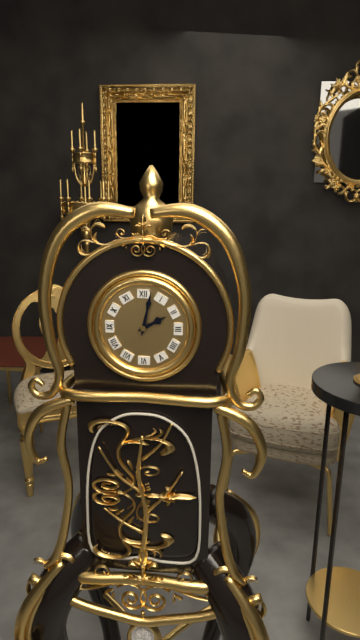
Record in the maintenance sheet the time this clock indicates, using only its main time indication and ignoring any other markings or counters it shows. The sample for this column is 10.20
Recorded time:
2.02
